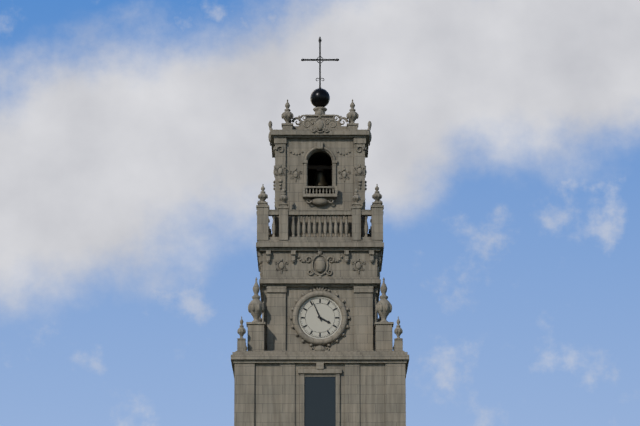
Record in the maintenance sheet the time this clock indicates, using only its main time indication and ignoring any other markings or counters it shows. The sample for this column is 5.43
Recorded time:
3.56
